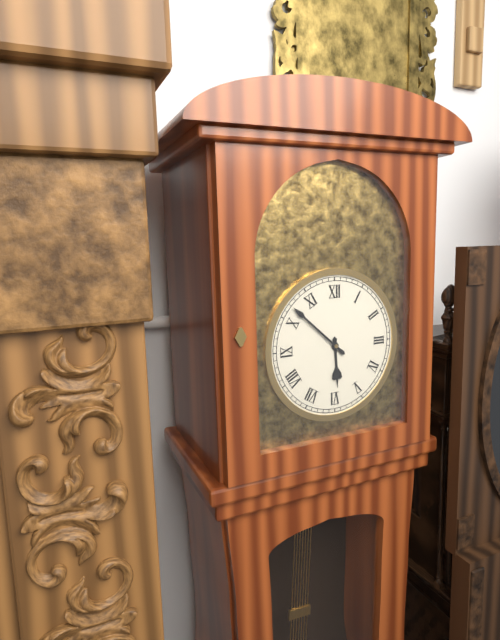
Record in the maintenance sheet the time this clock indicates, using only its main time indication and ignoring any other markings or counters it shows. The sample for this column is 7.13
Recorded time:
5.52
